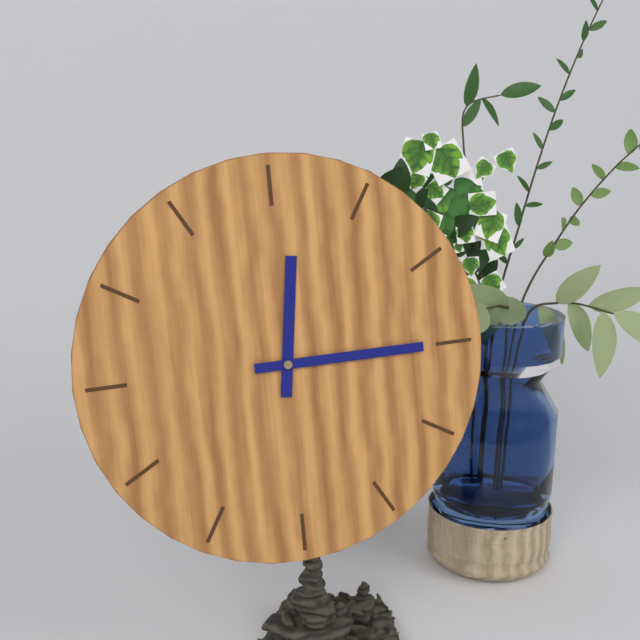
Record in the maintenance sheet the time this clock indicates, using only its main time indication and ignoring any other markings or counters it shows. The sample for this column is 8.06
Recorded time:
12.15
